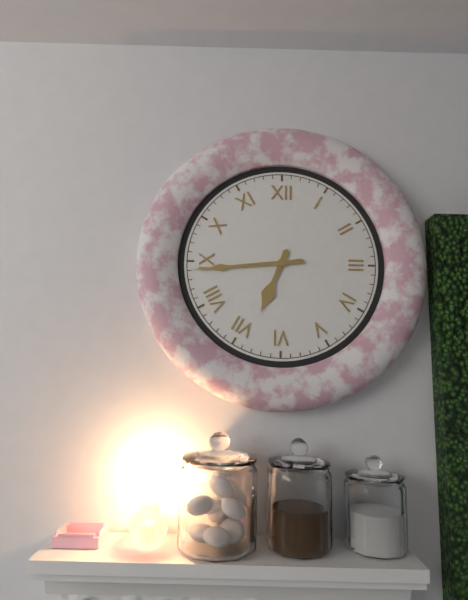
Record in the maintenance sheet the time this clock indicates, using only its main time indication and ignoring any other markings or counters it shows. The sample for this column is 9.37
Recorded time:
6.44
